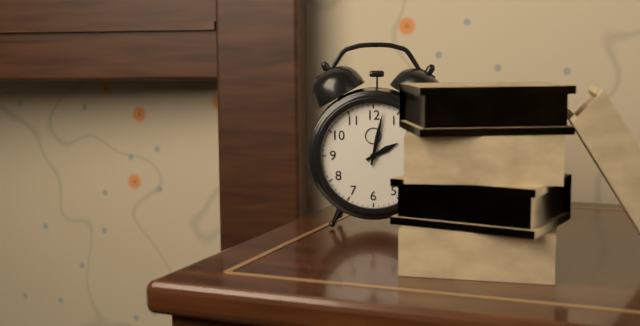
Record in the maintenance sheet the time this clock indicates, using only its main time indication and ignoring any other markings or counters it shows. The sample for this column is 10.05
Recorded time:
2.02
